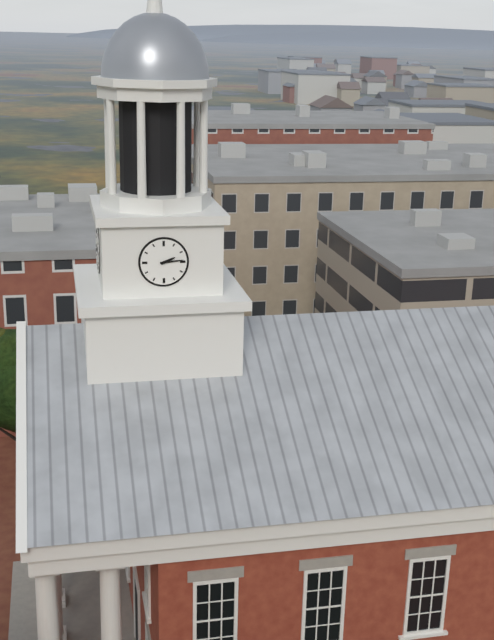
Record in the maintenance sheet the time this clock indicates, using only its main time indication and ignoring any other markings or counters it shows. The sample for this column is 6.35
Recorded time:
2.14
